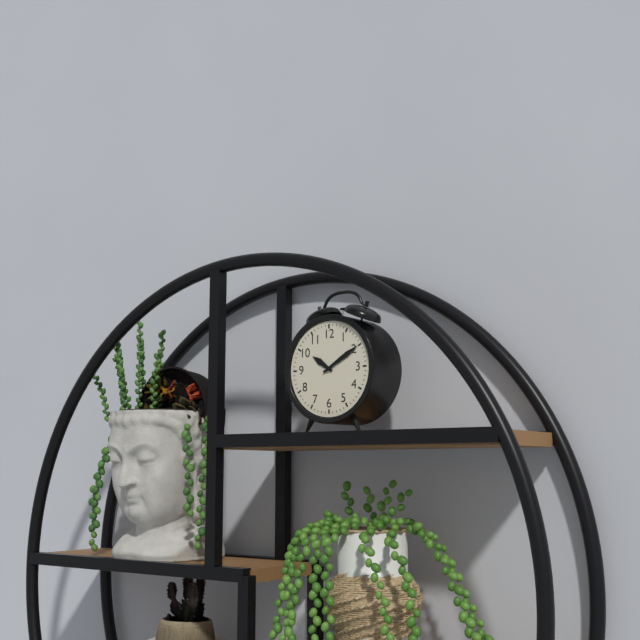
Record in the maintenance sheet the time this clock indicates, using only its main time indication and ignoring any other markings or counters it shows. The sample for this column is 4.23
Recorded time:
10.10
